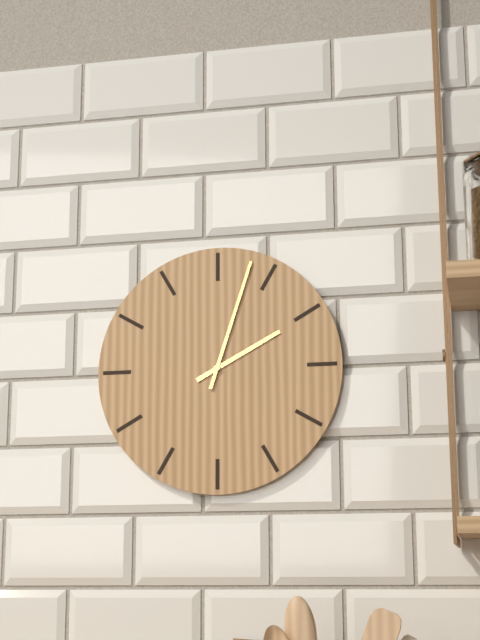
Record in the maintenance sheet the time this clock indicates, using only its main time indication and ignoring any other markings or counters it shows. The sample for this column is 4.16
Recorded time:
2.03
